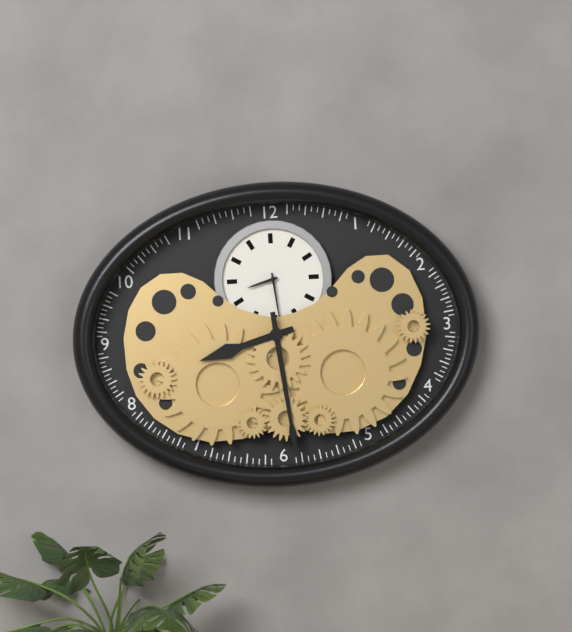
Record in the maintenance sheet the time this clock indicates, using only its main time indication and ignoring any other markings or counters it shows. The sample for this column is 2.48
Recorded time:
8.29
